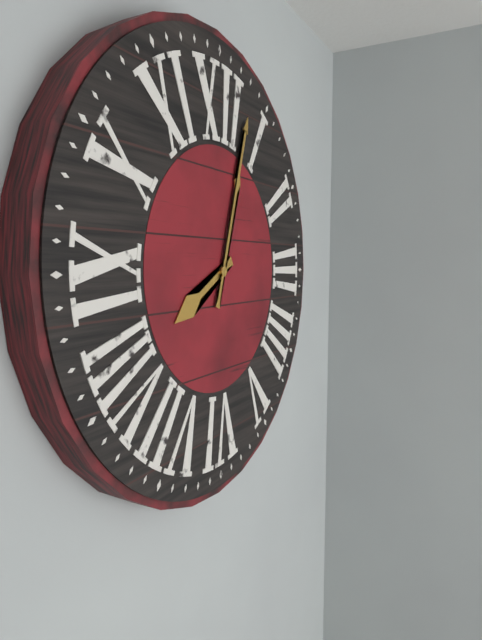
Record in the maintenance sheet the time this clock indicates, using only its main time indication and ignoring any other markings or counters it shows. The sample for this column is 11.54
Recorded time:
8.03
